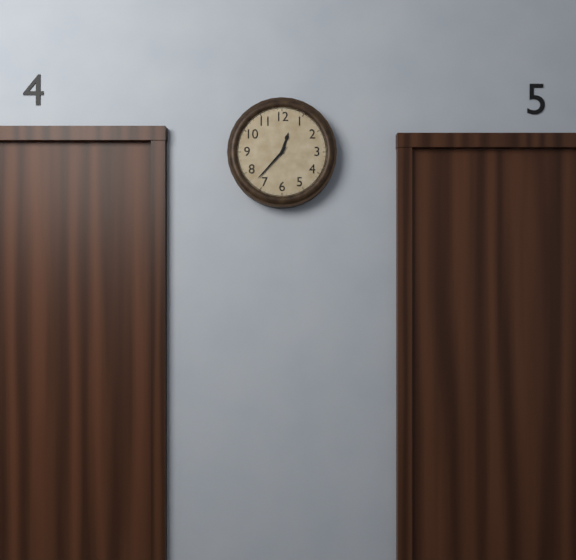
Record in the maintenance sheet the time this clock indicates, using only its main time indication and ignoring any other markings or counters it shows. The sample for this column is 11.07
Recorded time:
12.37
